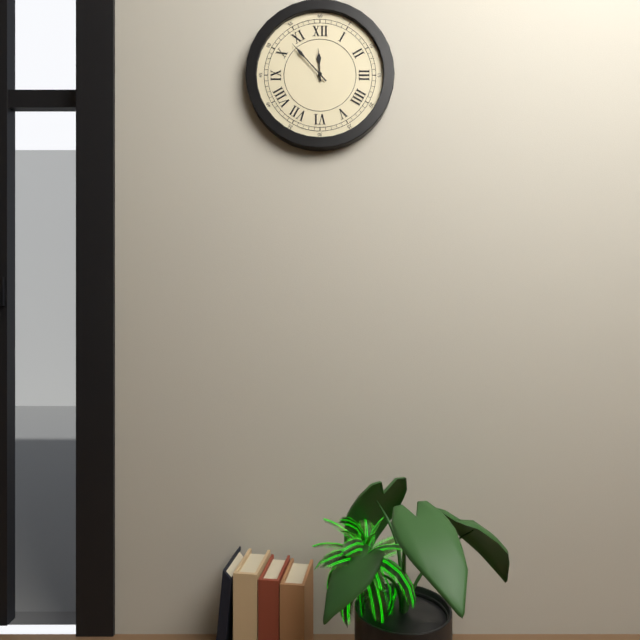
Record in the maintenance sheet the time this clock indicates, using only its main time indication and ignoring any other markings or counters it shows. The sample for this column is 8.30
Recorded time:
11.53
